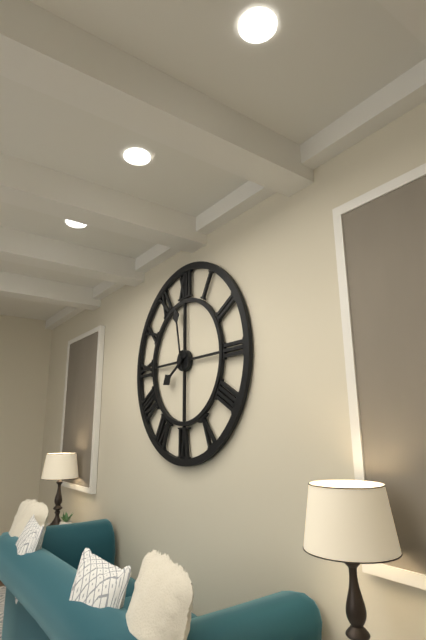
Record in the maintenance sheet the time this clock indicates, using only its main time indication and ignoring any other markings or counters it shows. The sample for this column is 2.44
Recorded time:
7.58
